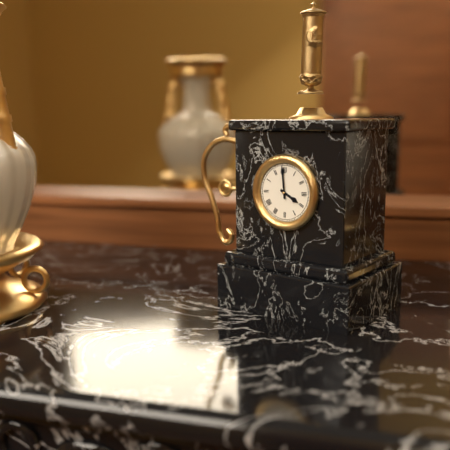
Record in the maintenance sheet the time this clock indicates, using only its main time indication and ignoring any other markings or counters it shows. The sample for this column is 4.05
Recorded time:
3.59
